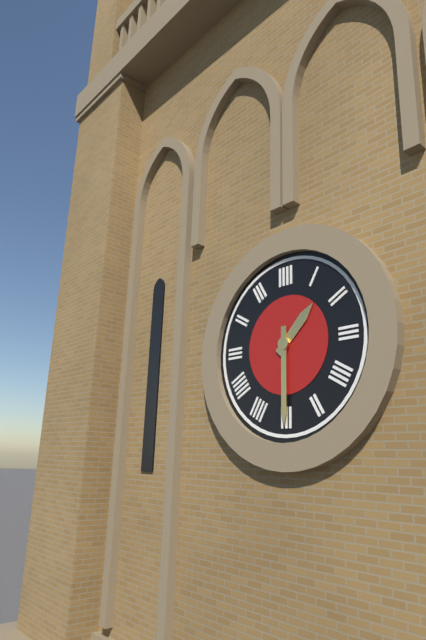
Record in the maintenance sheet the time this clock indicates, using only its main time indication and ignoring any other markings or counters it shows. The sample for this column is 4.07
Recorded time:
1.30
